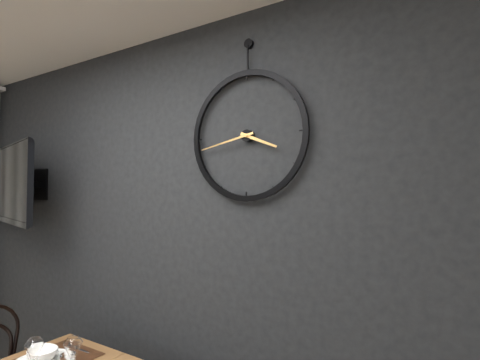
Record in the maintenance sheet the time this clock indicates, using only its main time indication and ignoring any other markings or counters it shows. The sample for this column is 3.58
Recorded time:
3.43
